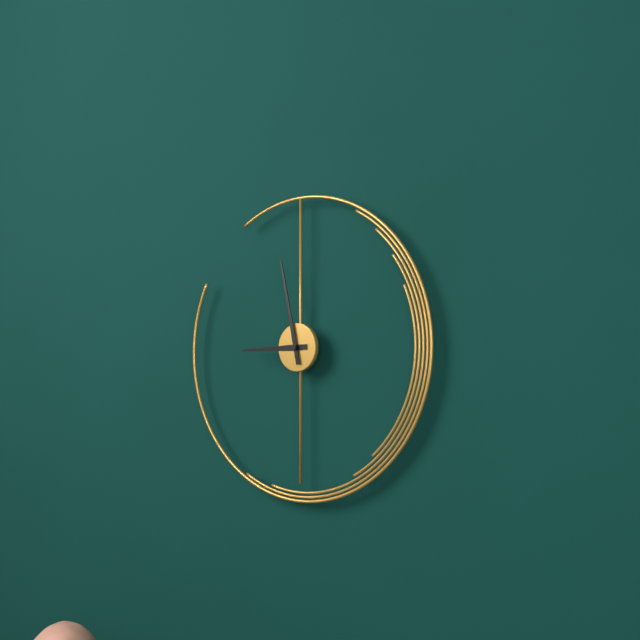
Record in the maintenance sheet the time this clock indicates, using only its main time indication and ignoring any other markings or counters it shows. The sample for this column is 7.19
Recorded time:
8.58
